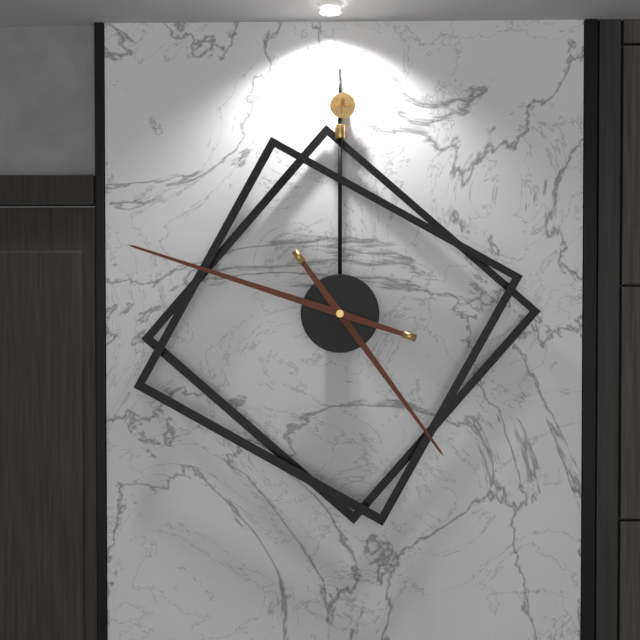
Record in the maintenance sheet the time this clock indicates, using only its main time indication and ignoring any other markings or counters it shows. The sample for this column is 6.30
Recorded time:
4.48
